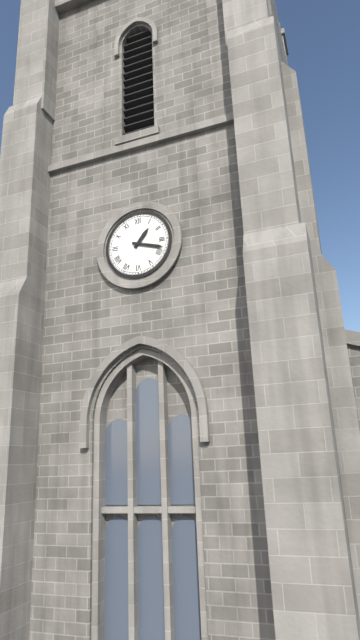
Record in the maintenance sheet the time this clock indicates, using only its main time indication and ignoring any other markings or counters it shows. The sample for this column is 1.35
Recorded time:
1.18
